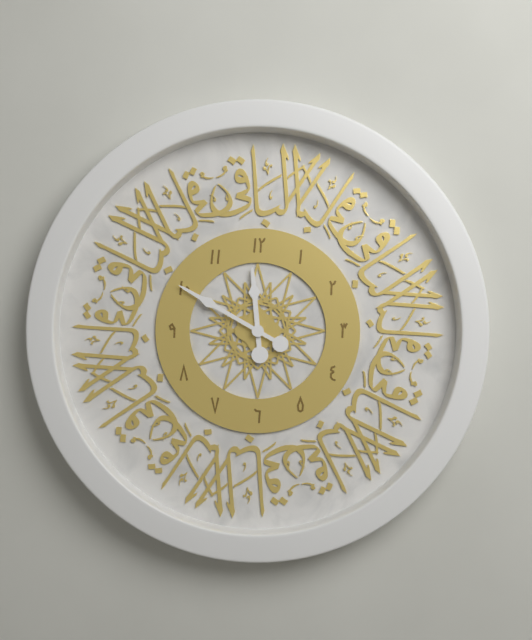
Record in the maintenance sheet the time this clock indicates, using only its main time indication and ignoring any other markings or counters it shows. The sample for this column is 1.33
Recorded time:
11.50
